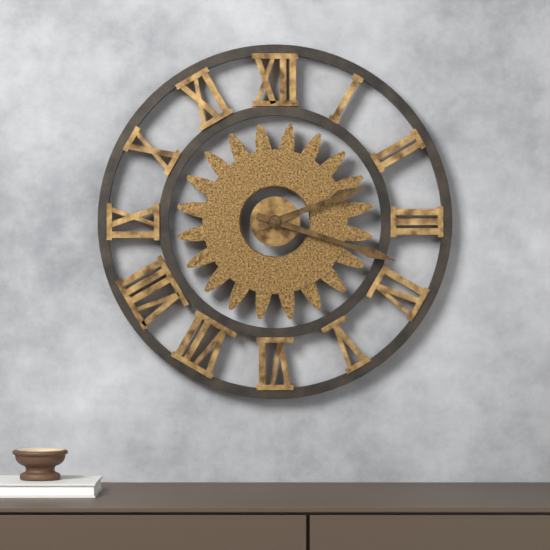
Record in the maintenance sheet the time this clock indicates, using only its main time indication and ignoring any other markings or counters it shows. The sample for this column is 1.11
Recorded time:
2.18
